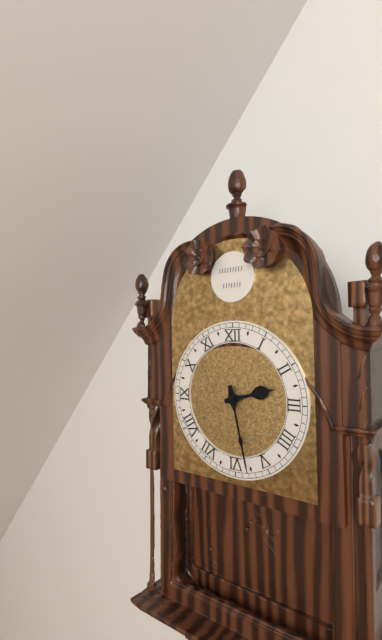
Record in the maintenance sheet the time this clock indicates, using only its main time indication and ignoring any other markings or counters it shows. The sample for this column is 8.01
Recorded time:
2.28
